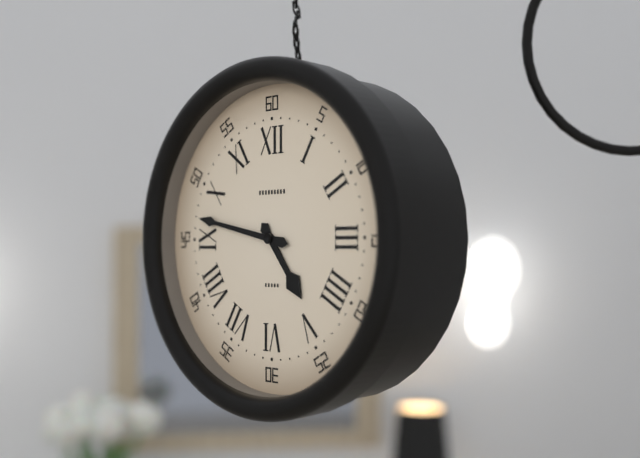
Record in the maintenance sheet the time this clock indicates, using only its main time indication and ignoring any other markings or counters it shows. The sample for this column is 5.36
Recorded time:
4.47
